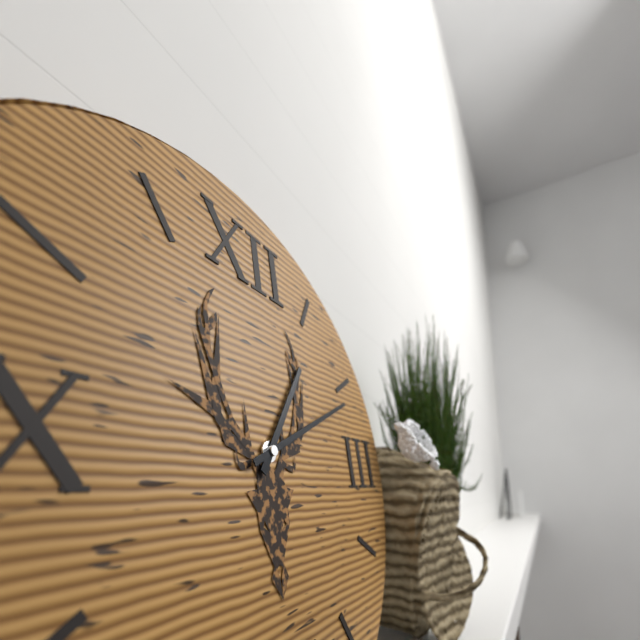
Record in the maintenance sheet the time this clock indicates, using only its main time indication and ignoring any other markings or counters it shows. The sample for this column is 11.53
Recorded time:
1.11
